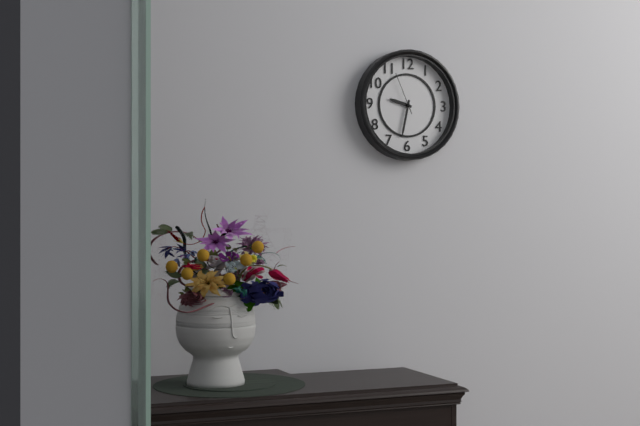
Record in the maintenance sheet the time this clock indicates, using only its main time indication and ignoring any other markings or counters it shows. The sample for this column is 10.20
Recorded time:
9.32
